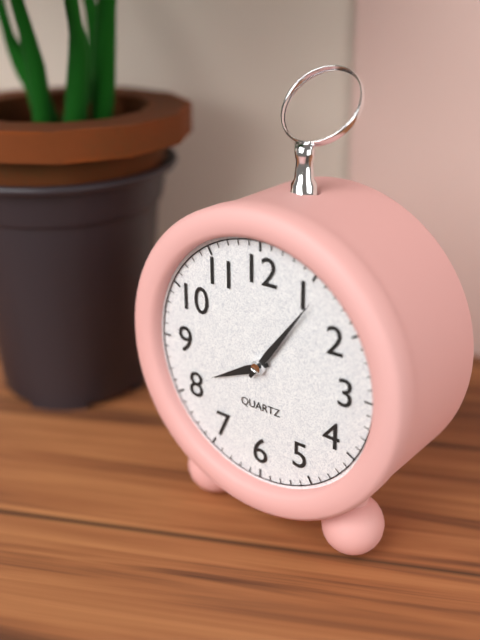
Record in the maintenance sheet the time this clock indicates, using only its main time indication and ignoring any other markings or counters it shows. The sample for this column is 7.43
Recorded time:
8.06
